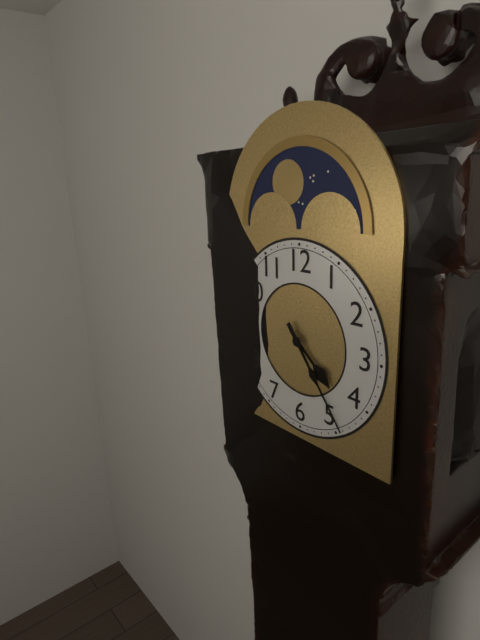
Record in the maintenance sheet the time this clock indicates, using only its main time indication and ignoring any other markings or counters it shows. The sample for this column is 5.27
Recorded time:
4.24
